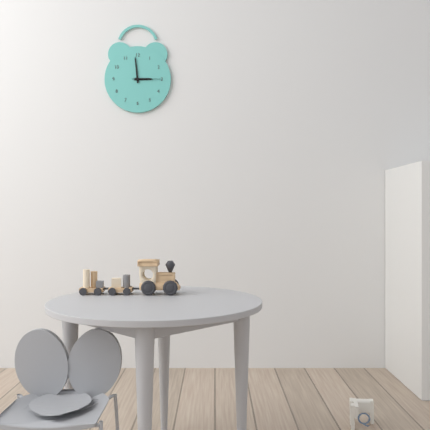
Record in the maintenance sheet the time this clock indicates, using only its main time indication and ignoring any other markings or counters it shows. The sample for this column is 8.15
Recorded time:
2.59
